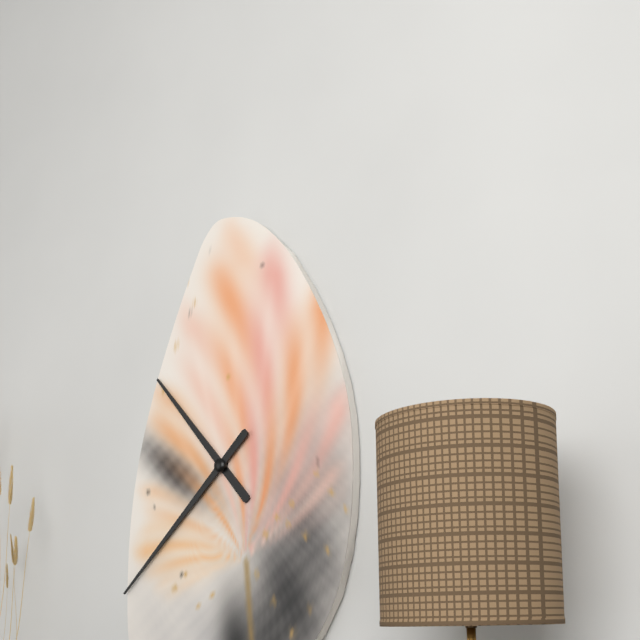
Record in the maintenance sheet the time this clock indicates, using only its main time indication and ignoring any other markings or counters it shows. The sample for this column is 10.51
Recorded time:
10.38
